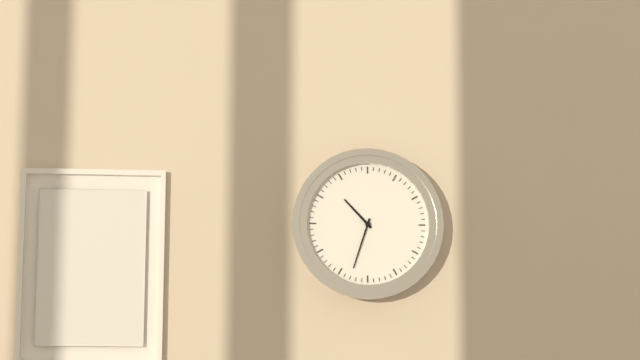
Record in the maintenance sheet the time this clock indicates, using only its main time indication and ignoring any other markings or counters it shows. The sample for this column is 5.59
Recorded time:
10.33
